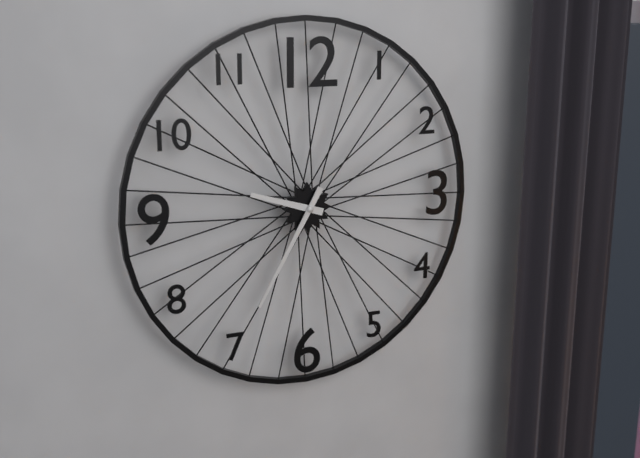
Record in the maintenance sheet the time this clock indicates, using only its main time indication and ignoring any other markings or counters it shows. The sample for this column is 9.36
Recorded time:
9.35
